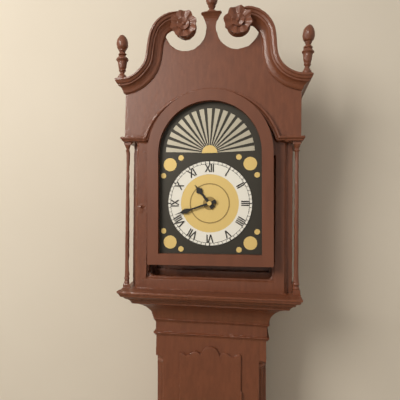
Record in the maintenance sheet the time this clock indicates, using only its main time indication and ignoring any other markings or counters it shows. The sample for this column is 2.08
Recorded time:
10.42
